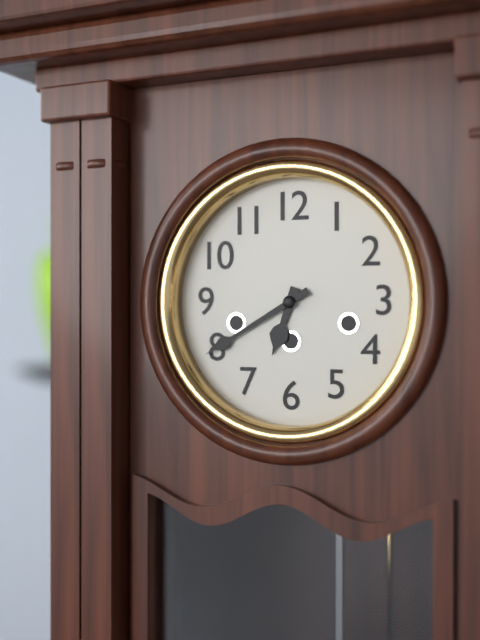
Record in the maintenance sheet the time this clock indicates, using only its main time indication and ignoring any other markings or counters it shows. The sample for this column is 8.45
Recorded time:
6.40
